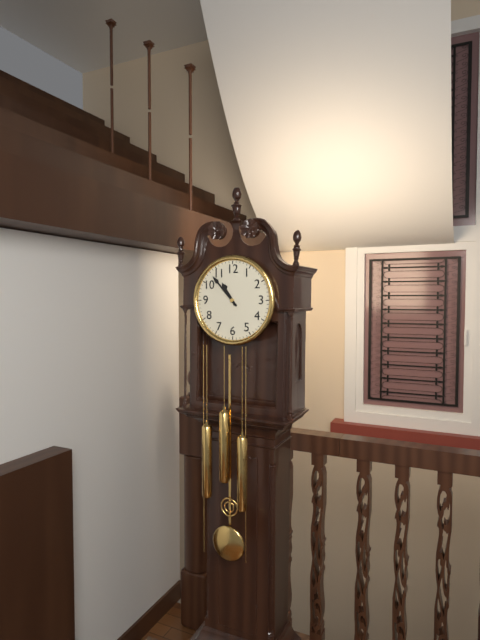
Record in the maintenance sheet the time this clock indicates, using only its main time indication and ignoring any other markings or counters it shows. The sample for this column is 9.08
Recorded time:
10.53
